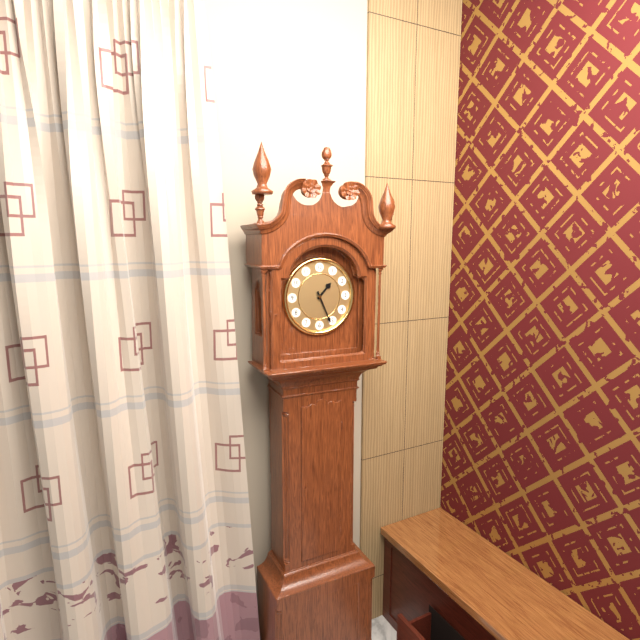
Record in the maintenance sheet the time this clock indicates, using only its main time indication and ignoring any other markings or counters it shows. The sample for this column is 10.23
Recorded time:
1.26
